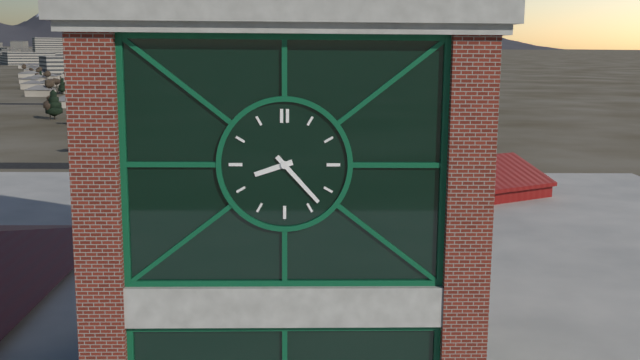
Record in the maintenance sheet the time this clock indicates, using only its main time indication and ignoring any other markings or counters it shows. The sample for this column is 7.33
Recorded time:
8.23
